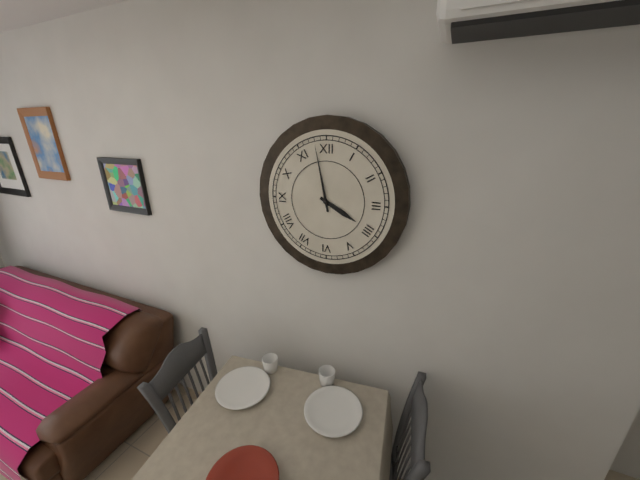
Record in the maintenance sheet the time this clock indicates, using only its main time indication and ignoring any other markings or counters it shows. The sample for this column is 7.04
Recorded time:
3.58
